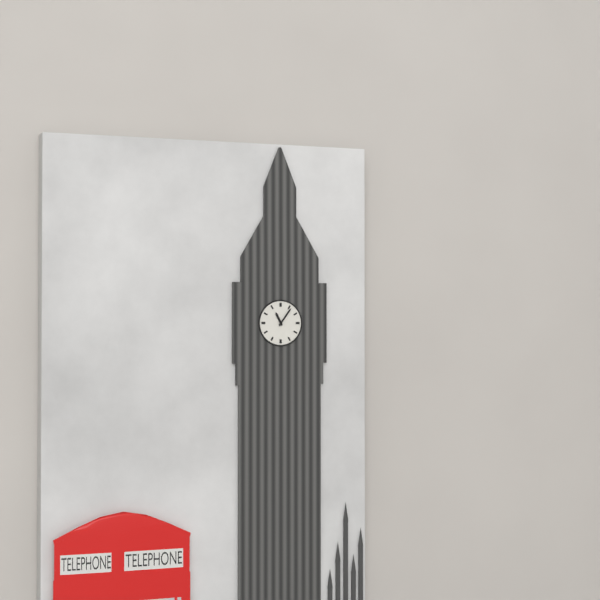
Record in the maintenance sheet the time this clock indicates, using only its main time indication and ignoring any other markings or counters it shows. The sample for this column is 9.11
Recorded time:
11.06
